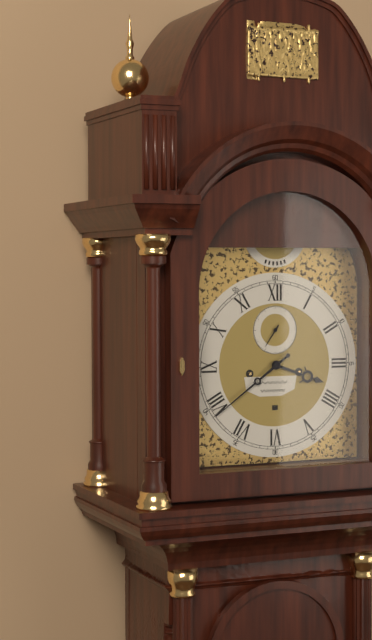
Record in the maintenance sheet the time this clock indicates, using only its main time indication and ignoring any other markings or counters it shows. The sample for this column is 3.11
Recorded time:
3.39
